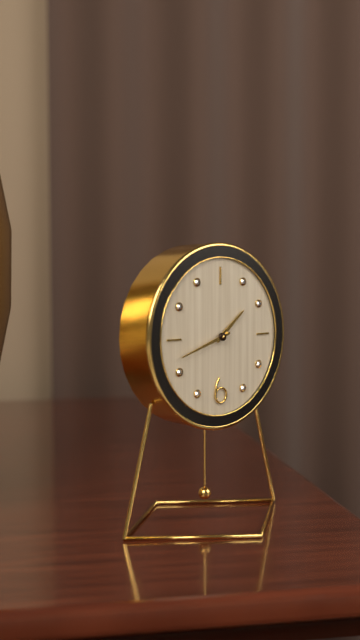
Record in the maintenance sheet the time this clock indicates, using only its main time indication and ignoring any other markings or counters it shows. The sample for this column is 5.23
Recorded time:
1.42
